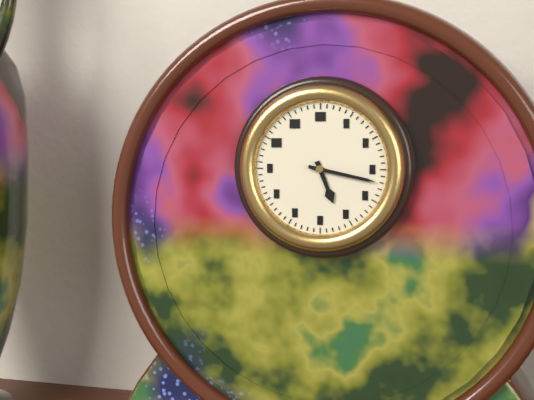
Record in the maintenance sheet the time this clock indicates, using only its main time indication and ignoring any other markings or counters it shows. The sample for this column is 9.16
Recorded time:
5.17
